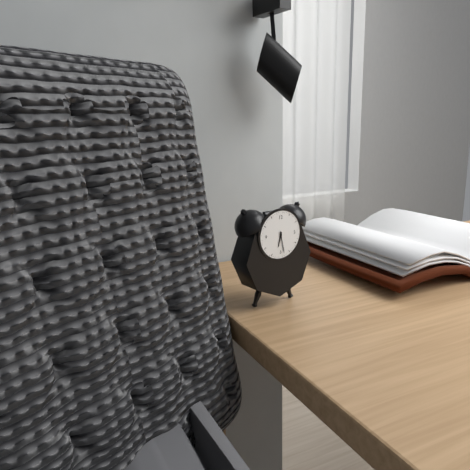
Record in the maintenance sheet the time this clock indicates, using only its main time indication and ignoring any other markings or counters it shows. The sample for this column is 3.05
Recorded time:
6.28
